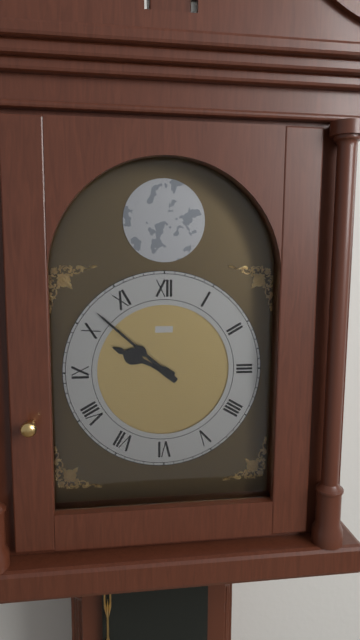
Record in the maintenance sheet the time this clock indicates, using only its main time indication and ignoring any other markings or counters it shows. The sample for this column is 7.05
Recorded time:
9.52
